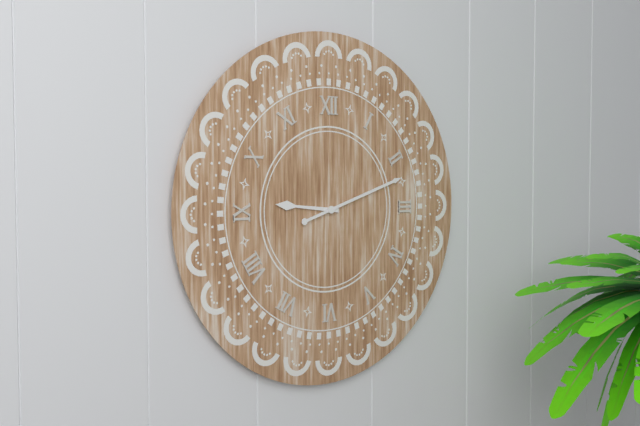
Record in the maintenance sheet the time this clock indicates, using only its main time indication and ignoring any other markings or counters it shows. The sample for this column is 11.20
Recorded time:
9.12
